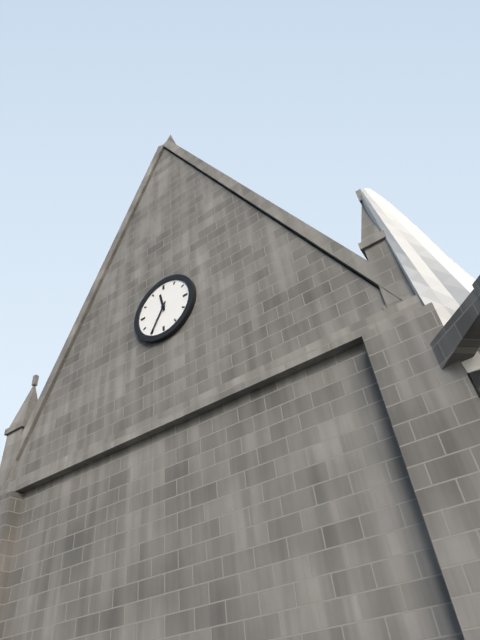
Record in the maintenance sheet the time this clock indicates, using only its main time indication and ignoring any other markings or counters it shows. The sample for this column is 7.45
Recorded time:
11.35
